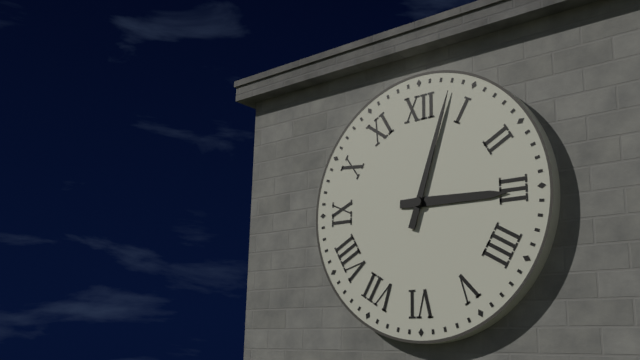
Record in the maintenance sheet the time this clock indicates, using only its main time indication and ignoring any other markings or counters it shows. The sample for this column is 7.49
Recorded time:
3.03
